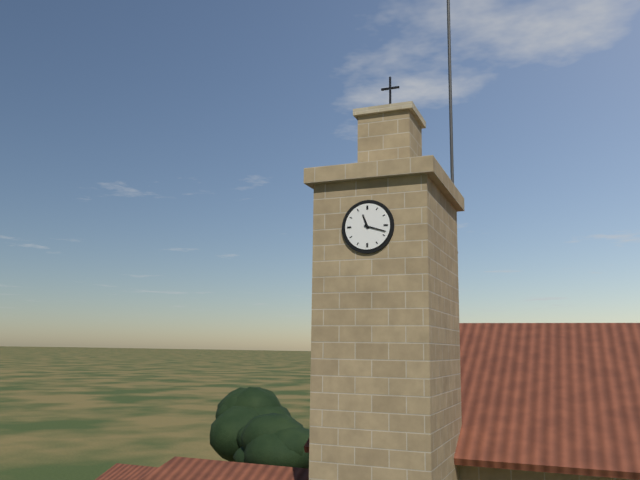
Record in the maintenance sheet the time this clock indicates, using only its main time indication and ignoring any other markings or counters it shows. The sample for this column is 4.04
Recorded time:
11.18
